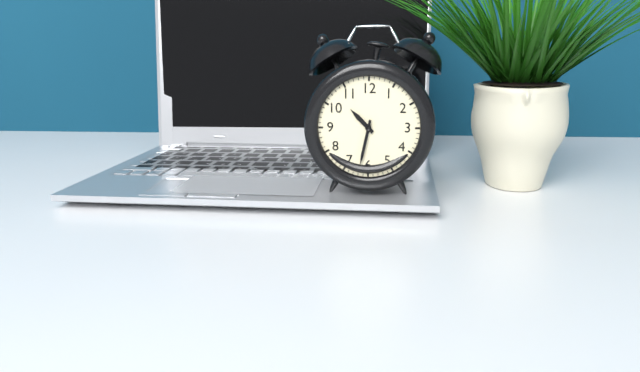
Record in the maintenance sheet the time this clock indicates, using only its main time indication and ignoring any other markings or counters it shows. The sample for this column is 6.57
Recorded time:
10.32
